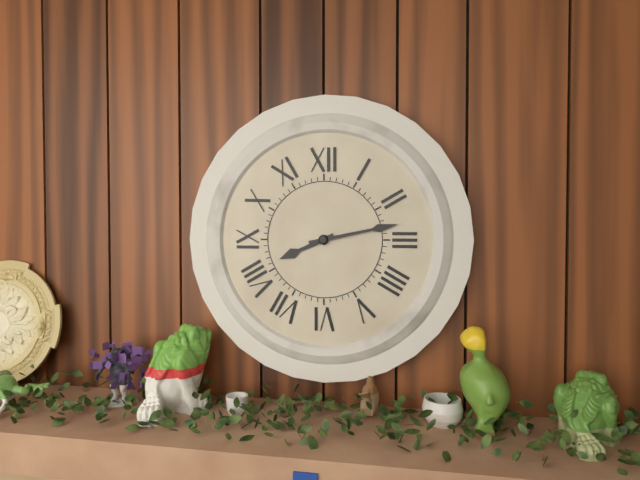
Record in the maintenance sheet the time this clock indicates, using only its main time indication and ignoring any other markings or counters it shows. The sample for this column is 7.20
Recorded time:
8.13
